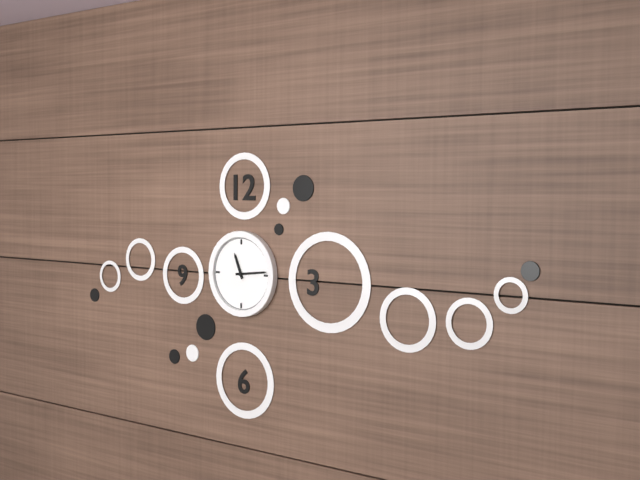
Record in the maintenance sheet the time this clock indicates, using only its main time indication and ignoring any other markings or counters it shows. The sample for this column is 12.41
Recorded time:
11.14
